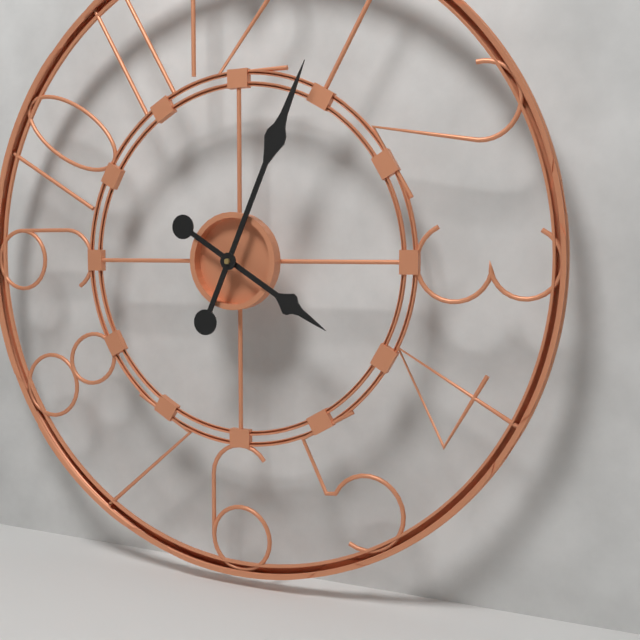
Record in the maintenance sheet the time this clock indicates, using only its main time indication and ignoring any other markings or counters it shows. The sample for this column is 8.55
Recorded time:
4.04
